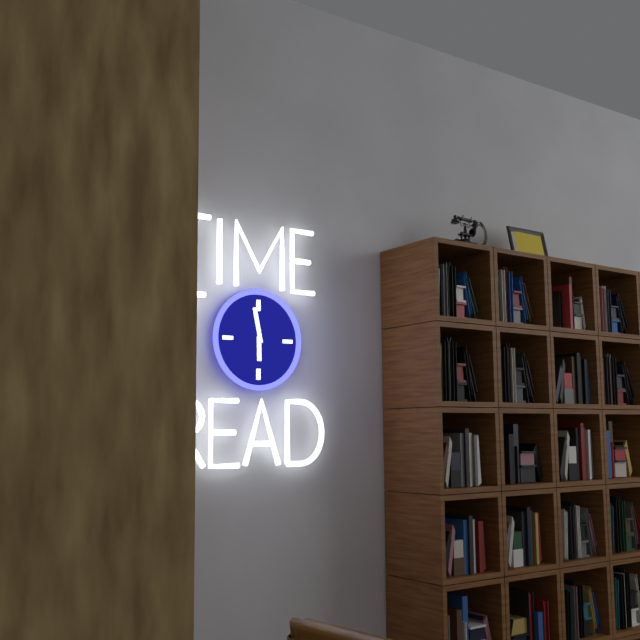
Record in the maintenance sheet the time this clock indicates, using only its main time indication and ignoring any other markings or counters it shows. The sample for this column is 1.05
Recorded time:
5.58
